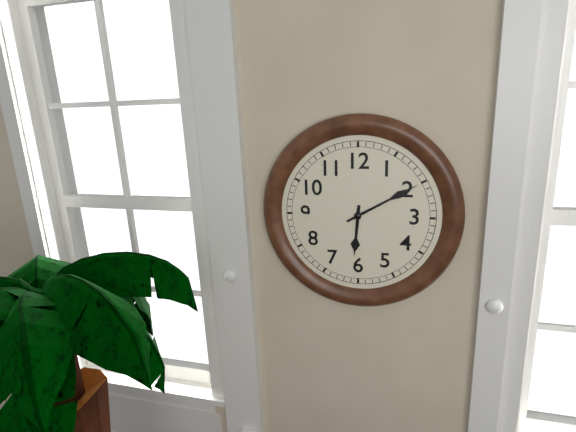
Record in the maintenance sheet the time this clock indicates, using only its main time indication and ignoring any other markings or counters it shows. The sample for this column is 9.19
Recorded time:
6.10
